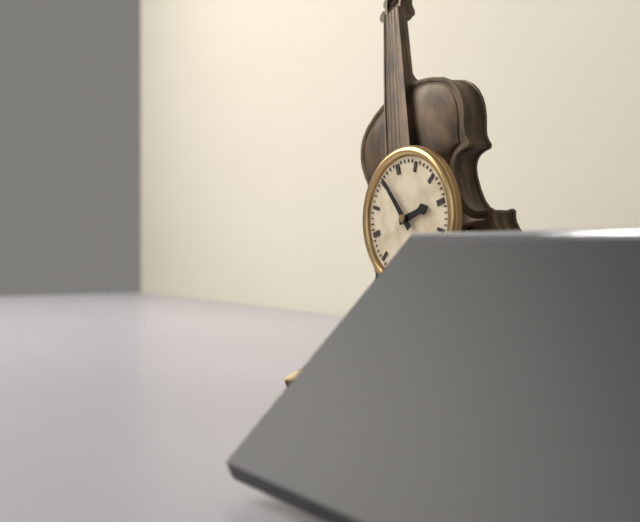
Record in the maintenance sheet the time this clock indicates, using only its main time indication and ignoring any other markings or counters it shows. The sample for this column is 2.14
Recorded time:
2.56
